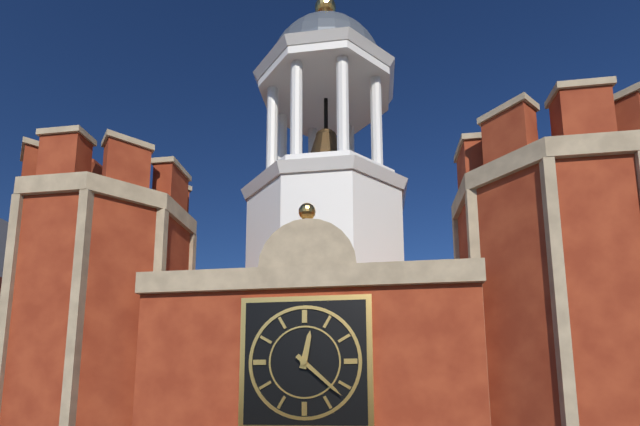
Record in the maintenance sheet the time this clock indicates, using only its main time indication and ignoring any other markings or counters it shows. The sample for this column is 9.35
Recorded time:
12.22
